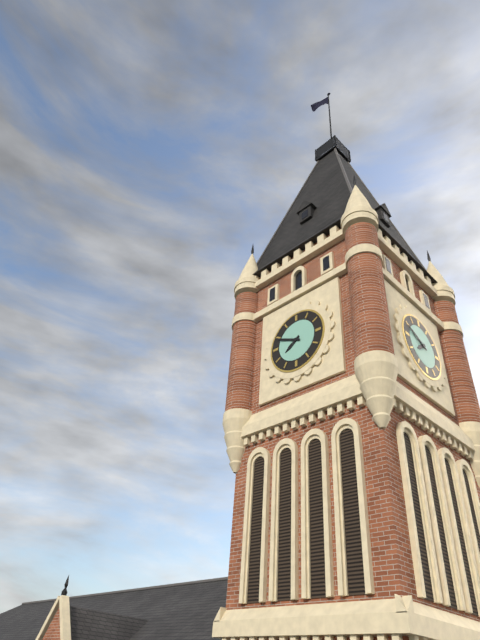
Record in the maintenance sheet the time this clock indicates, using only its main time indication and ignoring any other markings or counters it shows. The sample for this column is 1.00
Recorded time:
7.49
